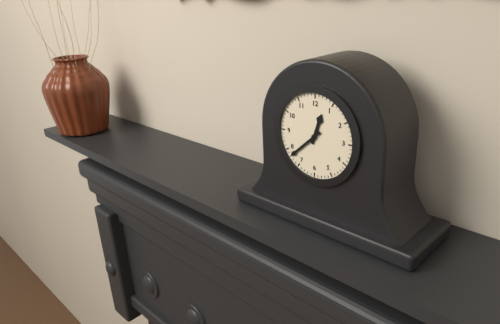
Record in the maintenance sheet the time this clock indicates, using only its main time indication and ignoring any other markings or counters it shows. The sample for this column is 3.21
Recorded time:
12.38
